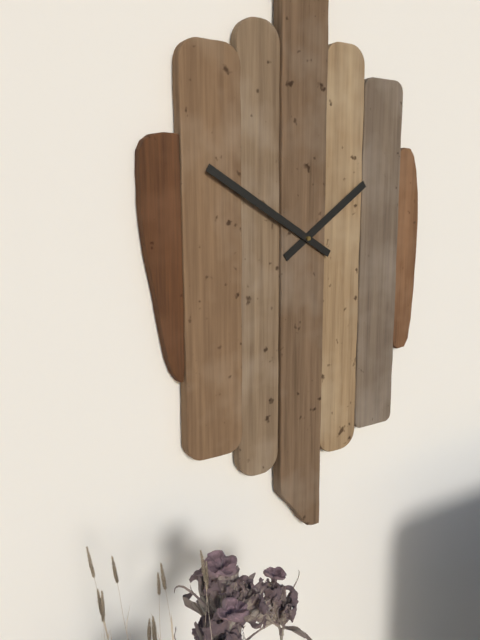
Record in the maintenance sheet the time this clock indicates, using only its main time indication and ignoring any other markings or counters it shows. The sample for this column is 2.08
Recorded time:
1.50
